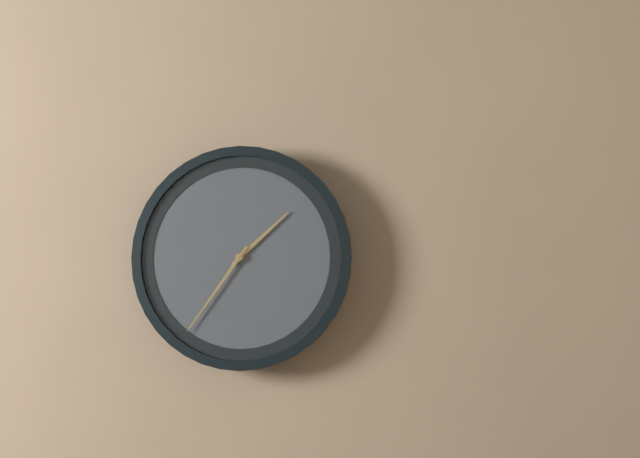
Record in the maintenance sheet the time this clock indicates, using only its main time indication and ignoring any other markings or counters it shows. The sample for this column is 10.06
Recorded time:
1.36
